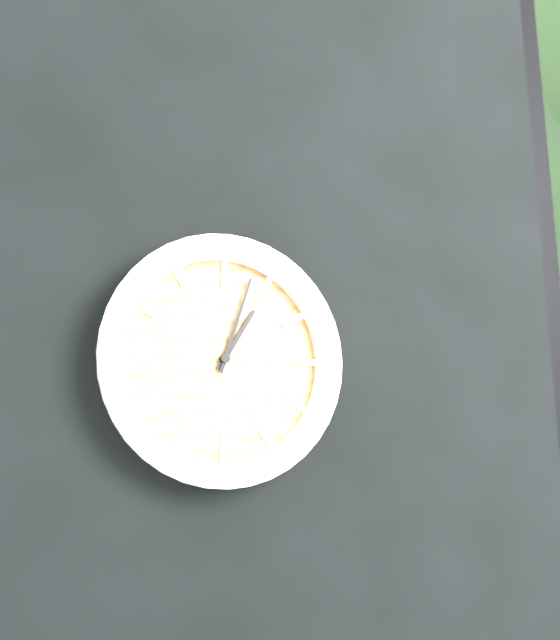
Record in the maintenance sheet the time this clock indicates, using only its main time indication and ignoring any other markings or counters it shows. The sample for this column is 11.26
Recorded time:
1.03
